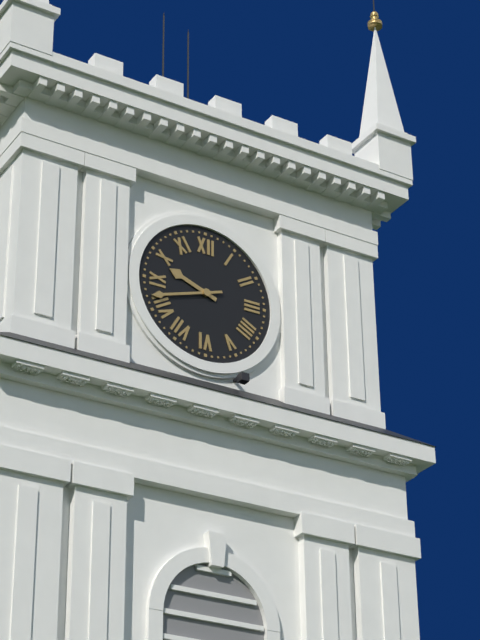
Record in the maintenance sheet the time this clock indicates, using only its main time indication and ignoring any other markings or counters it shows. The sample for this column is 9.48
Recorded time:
9.42
